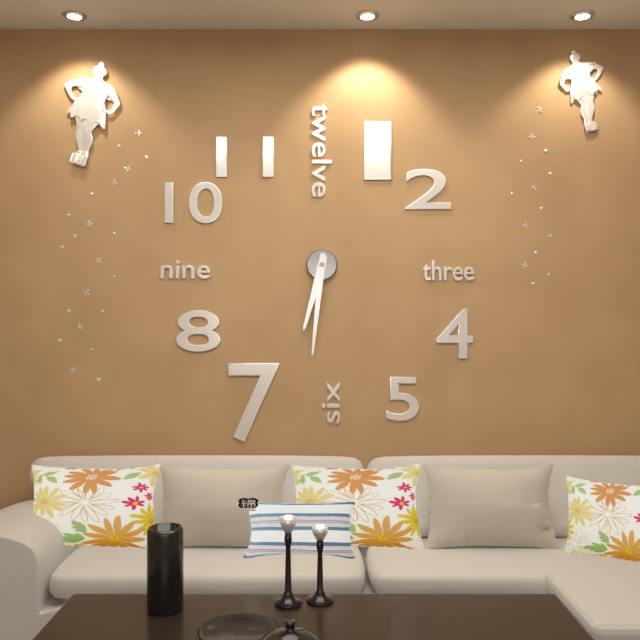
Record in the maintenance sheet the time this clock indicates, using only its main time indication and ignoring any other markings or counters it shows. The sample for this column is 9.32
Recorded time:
6.31
